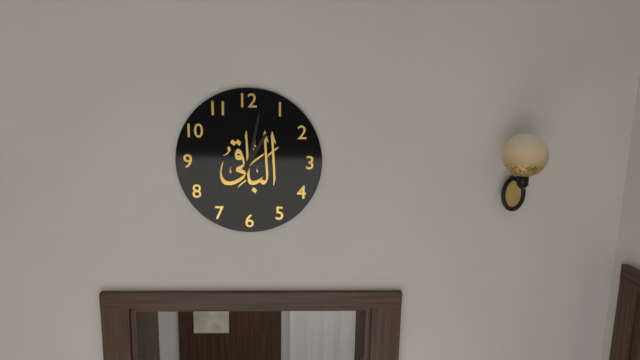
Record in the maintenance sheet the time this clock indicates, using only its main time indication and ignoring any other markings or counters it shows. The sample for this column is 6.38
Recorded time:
1.02
